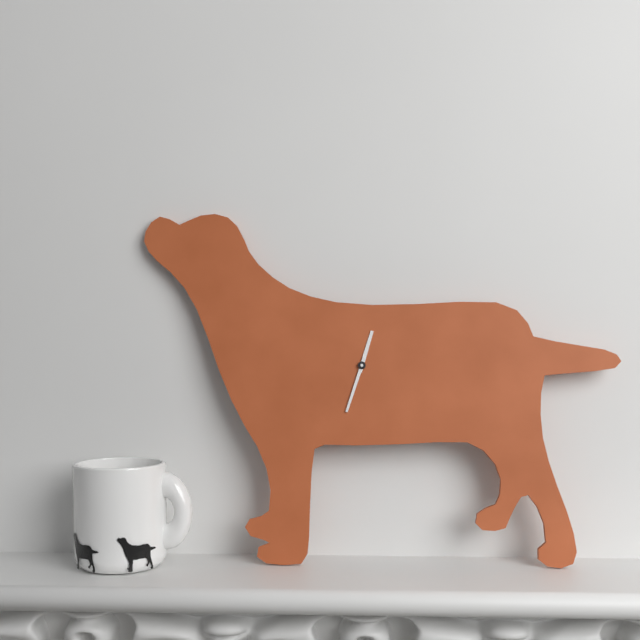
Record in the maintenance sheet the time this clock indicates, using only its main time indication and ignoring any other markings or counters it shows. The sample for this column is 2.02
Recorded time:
12.33
